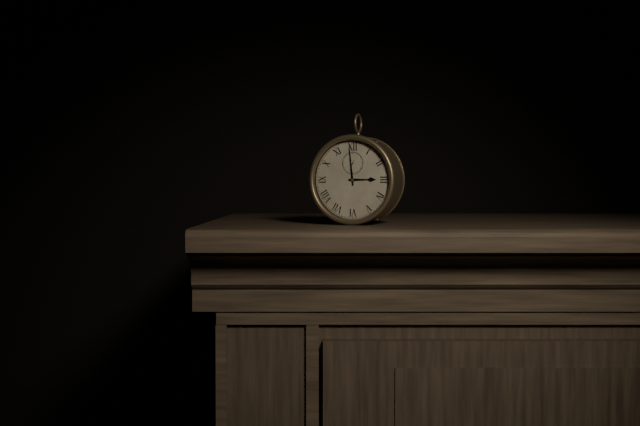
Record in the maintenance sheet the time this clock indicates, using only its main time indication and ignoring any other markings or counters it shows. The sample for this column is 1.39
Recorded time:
2.59
